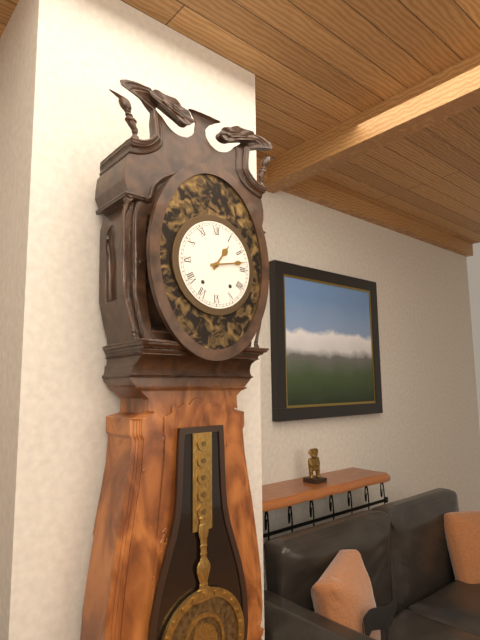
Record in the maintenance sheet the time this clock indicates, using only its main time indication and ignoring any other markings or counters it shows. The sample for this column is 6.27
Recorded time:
1.13
